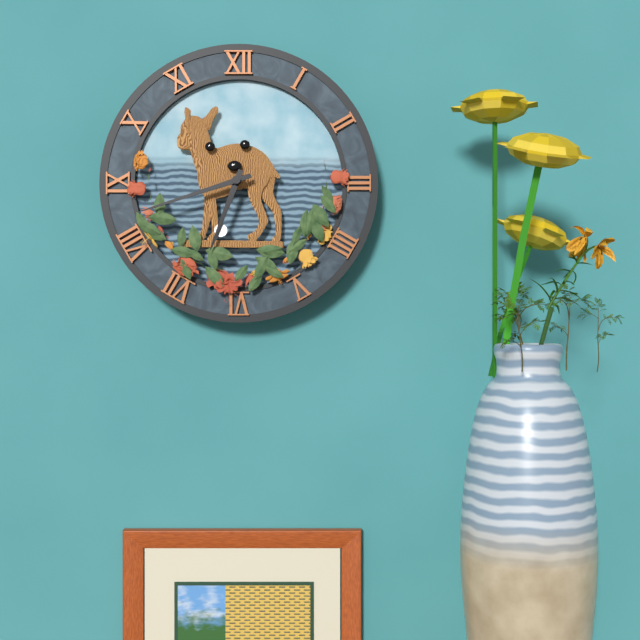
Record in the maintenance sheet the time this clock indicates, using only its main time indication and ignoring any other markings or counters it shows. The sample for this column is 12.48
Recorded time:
6.42
